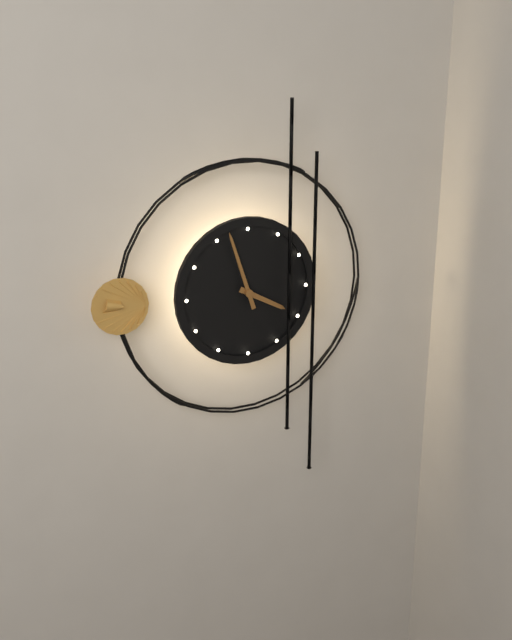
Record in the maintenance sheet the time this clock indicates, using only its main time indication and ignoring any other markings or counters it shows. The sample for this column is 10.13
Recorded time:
3.57
